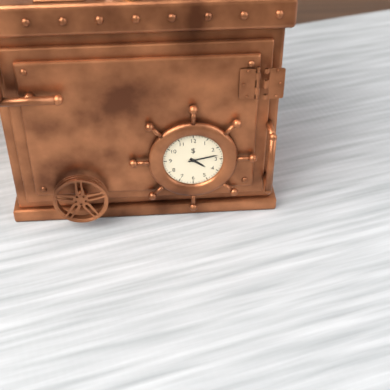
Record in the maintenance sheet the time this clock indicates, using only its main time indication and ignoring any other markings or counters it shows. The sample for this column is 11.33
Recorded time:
4.13
